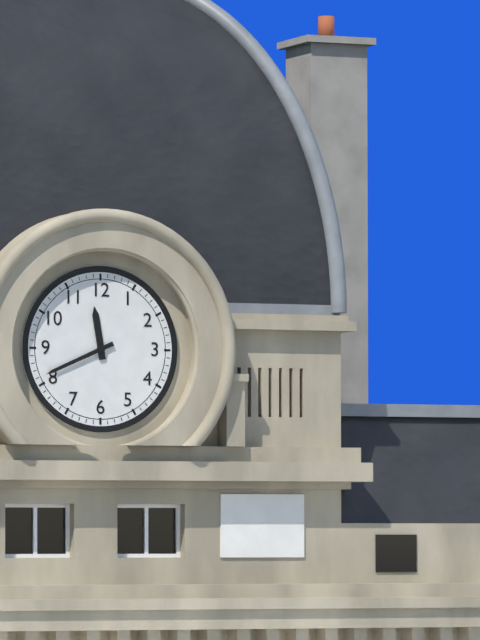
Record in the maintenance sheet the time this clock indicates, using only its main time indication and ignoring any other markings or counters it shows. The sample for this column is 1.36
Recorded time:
11.41
